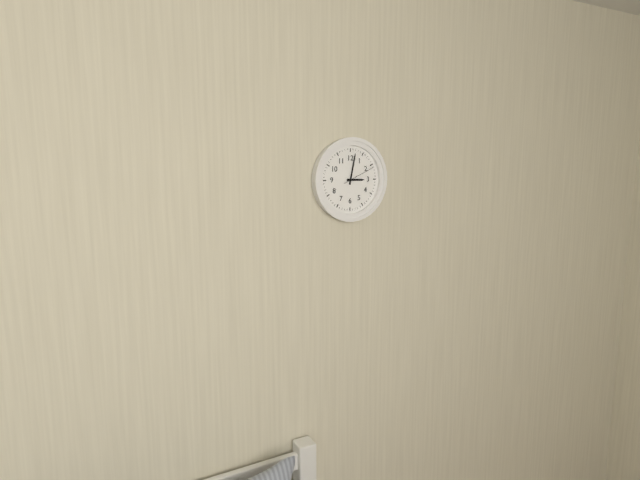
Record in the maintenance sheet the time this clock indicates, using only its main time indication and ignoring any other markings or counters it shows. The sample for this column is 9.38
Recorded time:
3.02
